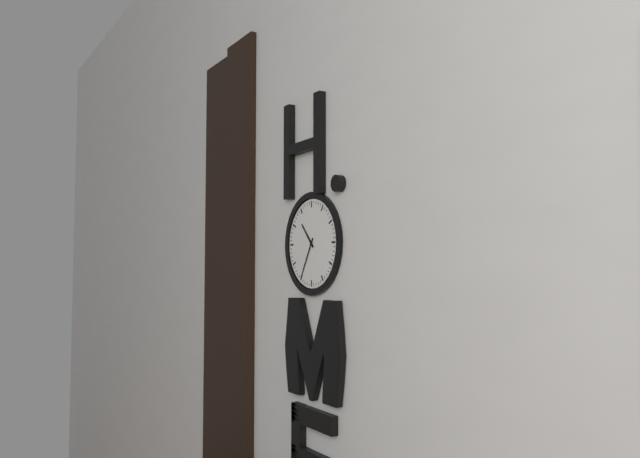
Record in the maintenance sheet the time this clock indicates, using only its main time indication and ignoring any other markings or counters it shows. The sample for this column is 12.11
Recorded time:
10.35
